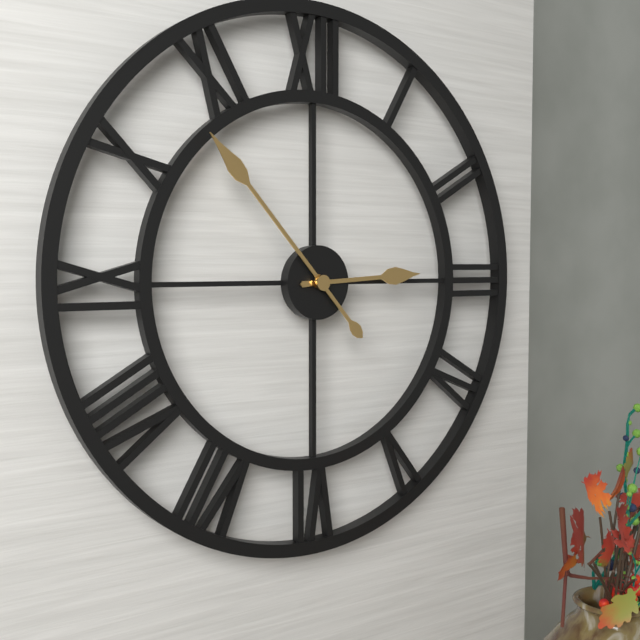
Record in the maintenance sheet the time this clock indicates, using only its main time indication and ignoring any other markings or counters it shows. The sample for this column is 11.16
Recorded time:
2.53
